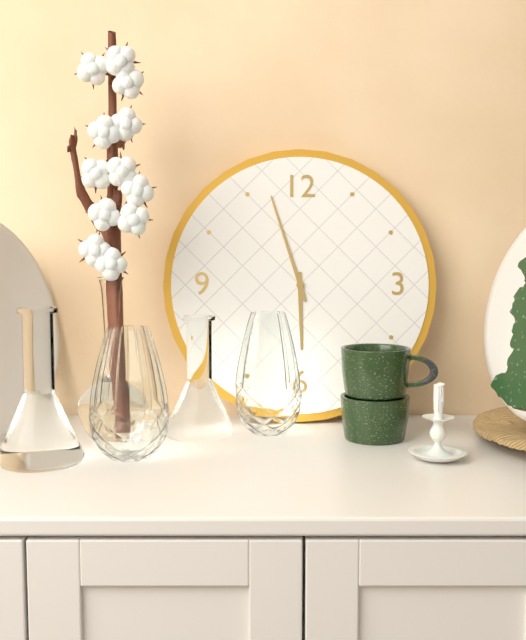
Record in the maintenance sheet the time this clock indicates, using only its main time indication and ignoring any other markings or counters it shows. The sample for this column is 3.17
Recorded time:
5.57
